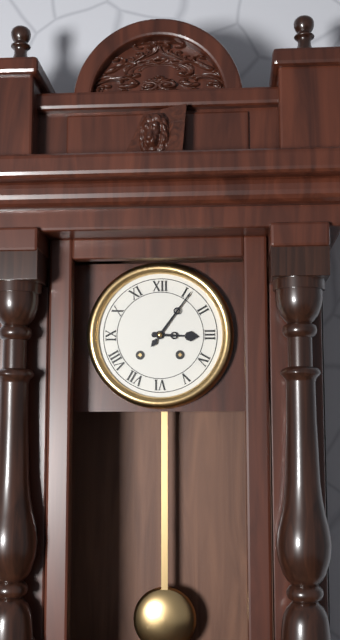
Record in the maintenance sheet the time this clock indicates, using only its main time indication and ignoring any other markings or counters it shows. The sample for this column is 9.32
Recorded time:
3.06
